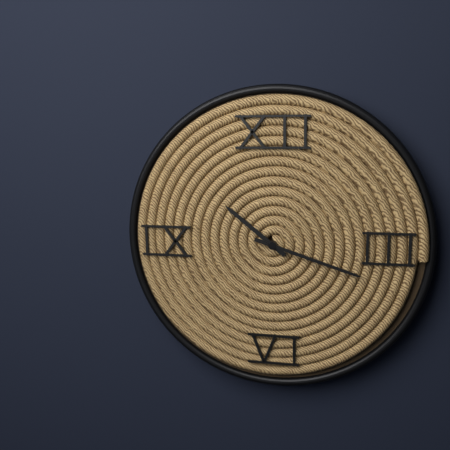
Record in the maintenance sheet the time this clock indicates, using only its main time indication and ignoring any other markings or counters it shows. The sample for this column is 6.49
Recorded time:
10.18
